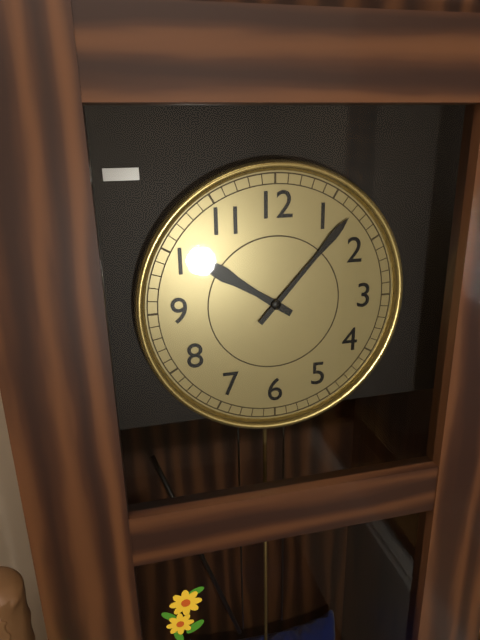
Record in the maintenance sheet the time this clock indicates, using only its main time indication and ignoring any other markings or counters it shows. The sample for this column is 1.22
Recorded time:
10.07
